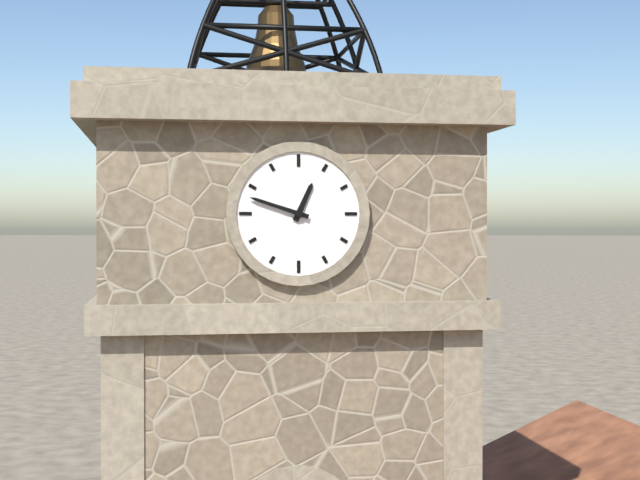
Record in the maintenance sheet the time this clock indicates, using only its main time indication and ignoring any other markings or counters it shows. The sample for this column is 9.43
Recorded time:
12.48
